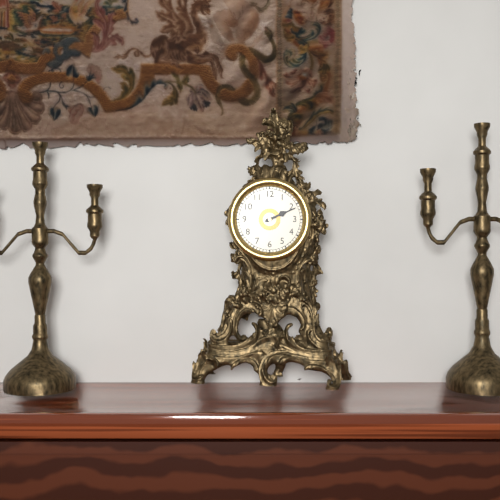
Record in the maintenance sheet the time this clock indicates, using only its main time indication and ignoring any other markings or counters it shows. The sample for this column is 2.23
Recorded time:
2.11
